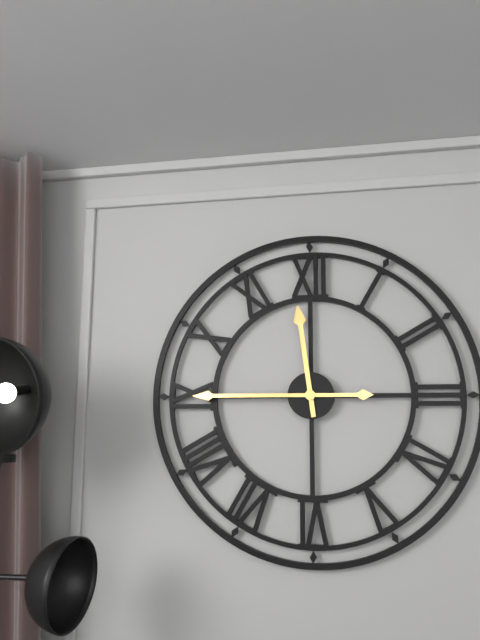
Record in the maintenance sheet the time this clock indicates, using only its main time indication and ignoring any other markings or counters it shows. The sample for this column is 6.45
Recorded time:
11.45
